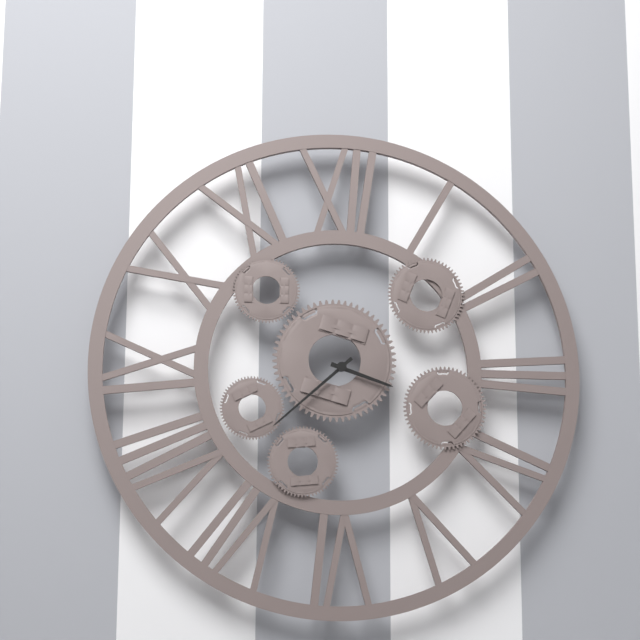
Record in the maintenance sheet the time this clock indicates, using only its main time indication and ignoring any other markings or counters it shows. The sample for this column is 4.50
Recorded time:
3.38
